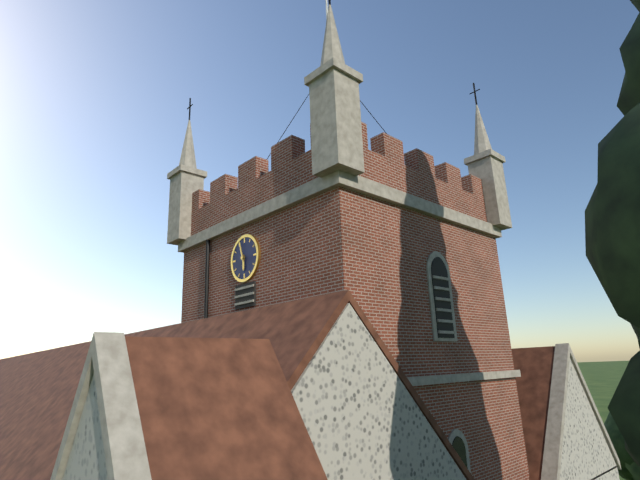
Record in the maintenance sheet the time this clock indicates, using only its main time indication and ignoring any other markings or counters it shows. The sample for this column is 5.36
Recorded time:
5.57
